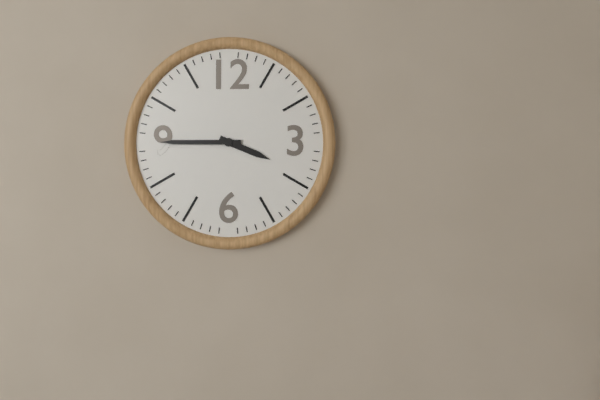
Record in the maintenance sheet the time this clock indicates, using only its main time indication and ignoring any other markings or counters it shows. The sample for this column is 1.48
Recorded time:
3.45
